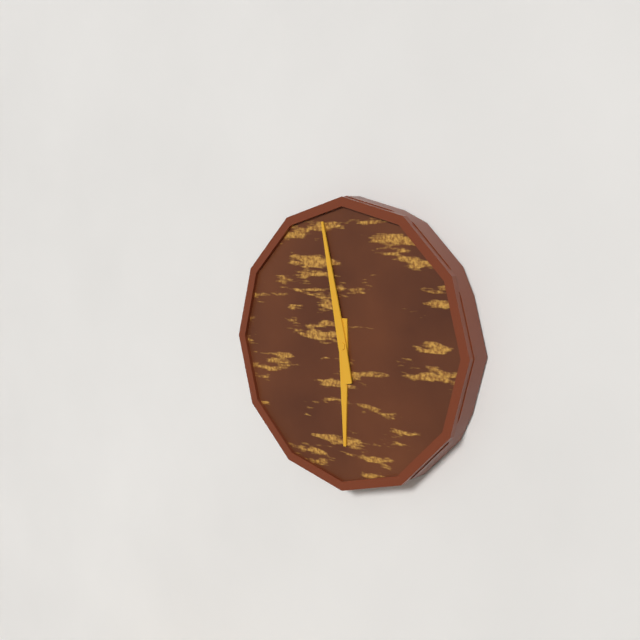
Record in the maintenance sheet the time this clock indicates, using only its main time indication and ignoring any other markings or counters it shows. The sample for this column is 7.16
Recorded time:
5.58
